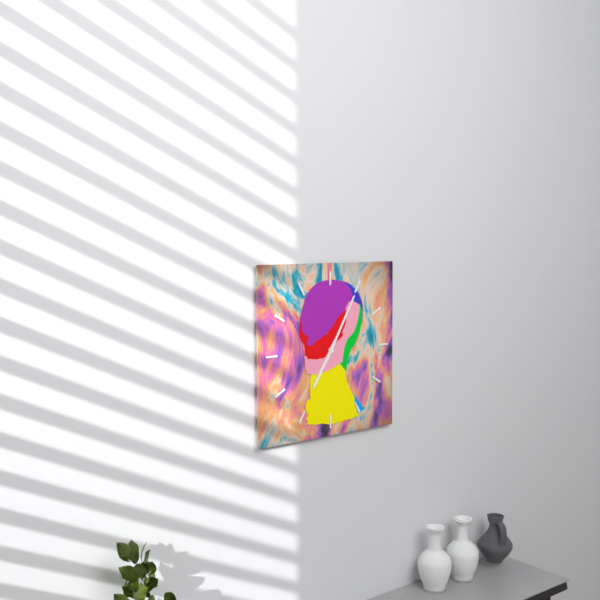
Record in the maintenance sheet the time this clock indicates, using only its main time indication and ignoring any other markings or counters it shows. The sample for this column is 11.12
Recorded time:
7.05
